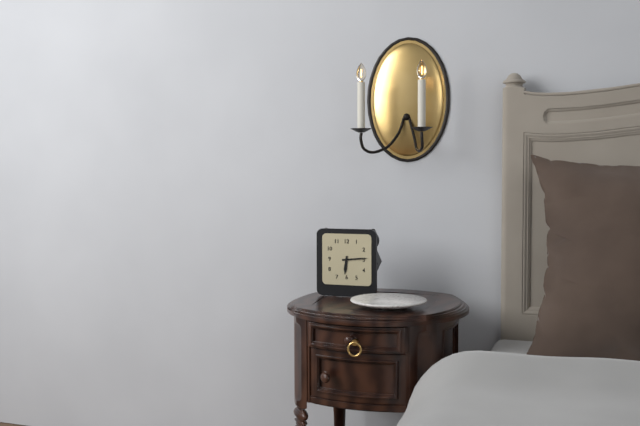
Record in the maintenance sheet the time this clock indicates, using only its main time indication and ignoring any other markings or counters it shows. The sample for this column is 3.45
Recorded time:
6.14
